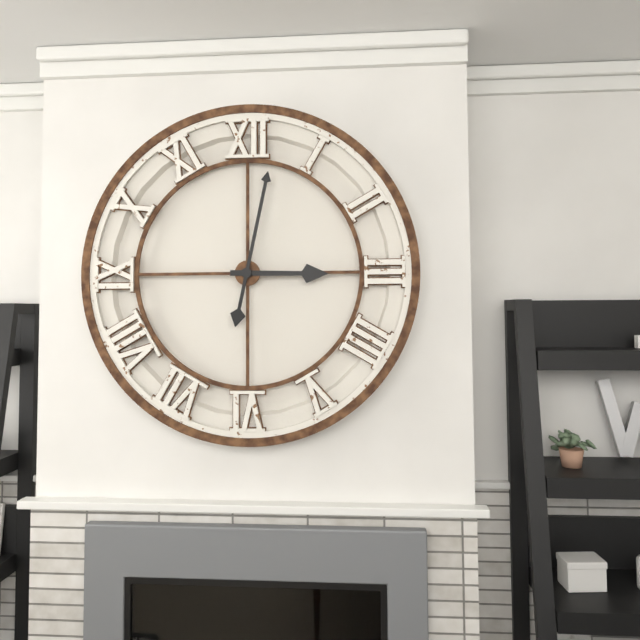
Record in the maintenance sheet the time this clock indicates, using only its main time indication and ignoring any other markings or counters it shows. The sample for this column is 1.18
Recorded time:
3.02
